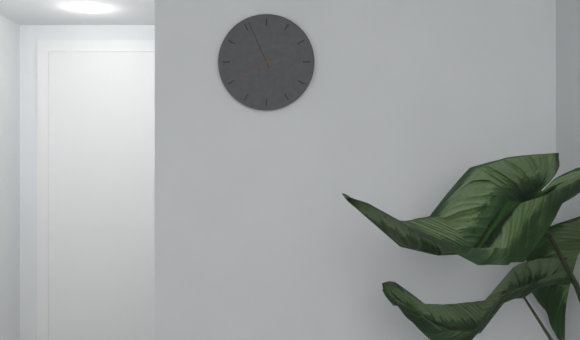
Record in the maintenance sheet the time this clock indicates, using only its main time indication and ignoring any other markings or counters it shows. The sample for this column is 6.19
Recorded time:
7.56
